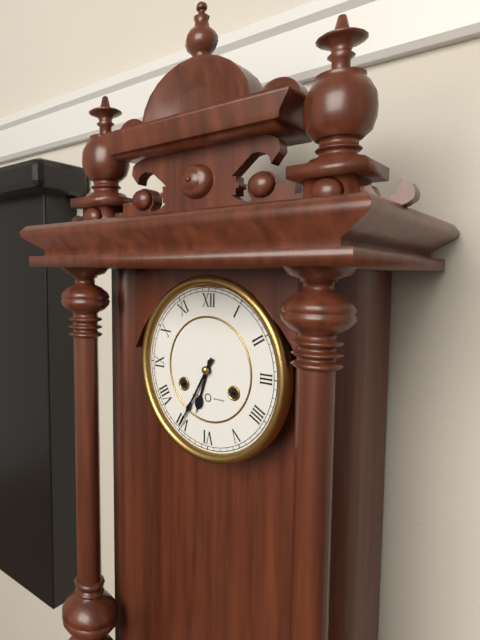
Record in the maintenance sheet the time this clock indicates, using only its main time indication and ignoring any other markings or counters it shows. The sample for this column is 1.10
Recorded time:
6.35
